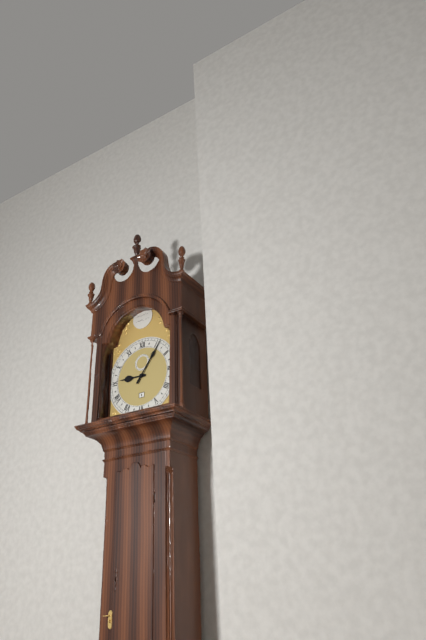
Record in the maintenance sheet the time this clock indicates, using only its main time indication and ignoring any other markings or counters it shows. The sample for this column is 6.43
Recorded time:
9.06
